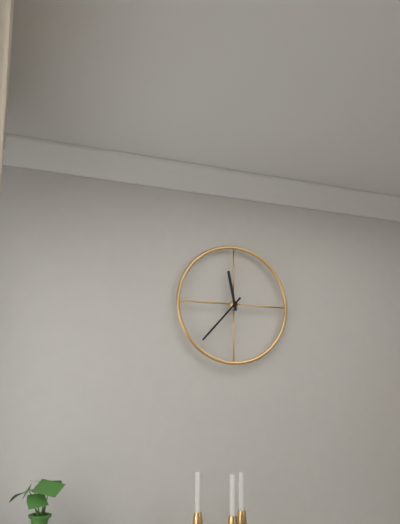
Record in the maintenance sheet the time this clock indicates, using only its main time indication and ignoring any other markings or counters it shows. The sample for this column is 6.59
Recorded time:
11.37
